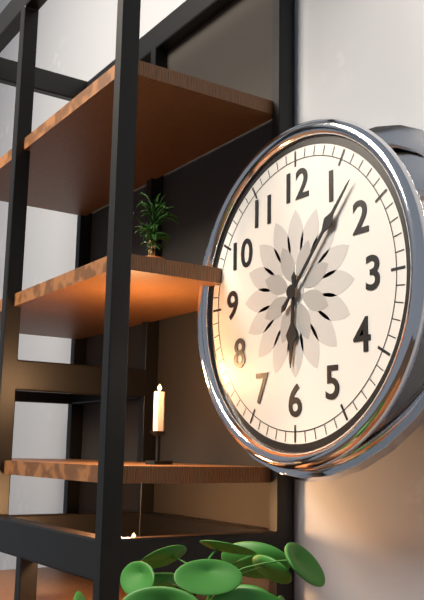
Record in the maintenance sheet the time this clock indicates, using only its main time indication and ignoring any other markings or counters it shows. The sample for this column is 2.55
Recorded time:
6.07
